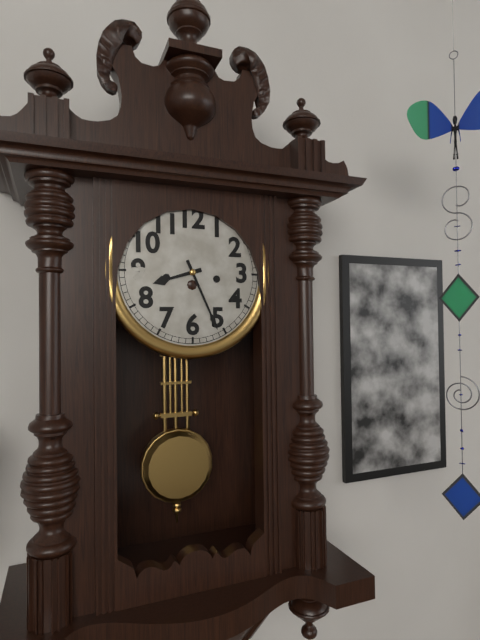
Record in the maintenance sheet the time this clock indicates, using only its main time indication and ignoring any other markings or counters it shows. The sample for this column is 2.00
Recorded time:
8.26
